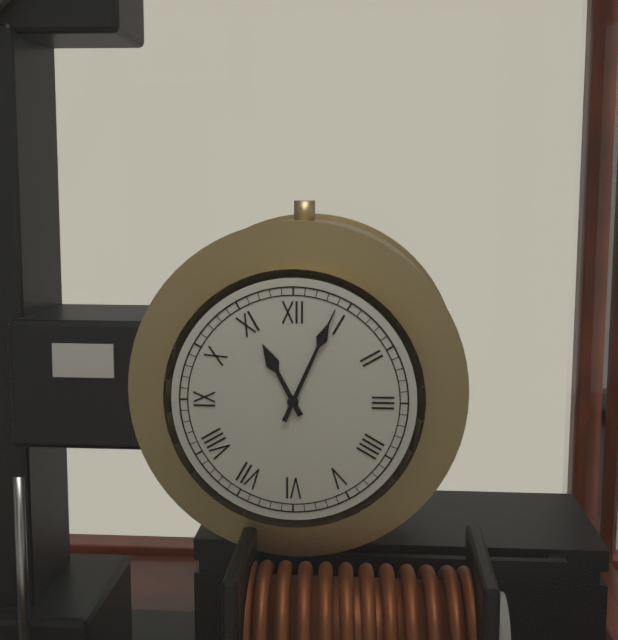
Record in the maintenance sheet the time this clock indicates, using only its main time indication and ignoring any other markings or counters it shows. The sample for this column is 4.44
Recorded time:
11.04
